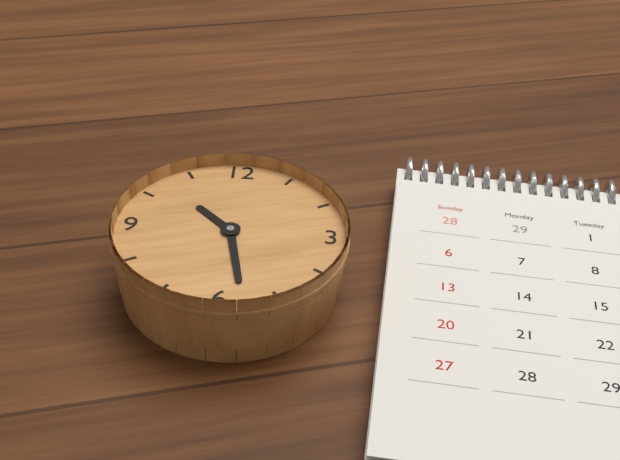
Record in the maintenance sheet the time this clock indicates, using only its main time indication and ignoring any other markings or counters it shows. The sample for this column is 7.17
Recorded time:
10.28
